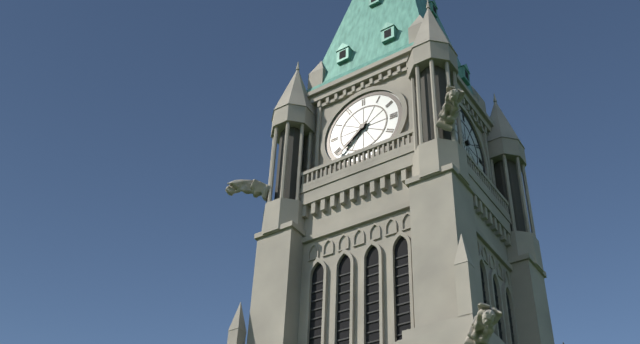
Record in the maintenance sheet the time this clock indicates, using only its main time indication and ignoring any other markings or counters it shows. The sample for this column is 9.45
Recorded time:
7.38
